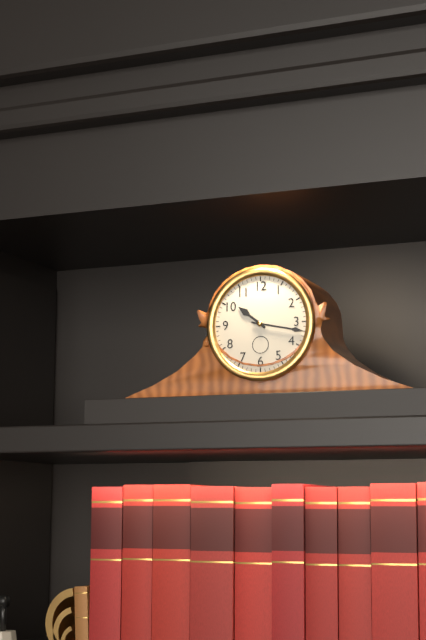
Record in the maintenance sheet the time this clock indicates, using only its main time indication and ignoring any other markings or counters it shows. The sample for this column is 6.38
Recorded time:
10.17
